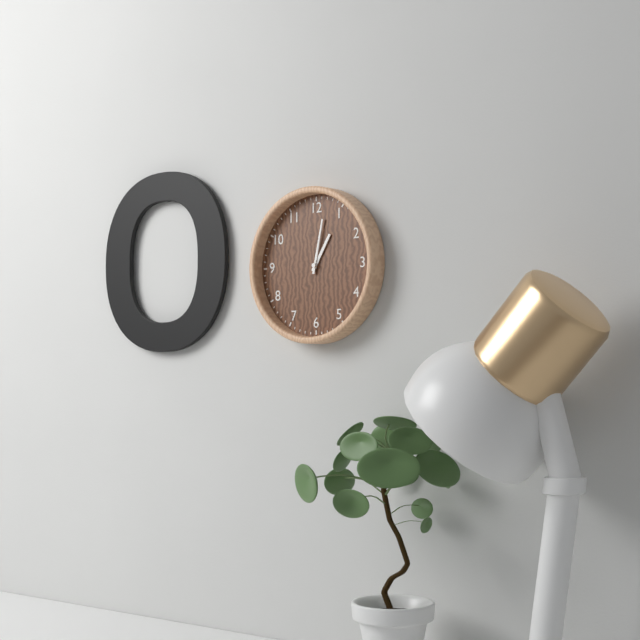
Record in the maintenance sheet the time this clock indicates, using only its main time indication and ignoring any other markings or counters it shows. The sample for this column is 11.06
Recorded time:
1.02
